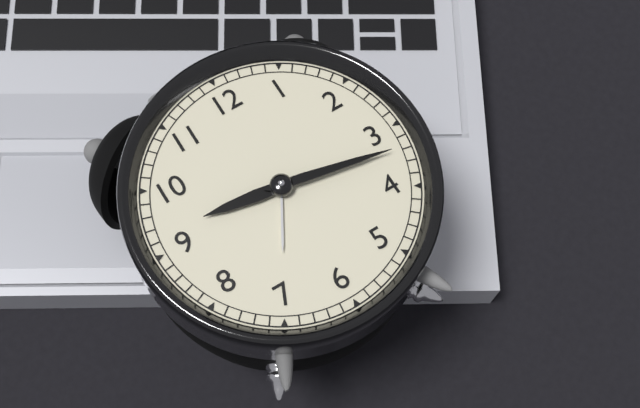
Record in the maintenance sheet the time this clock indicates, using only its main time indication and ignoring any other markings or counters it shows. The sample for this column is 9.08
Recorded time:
9.17
